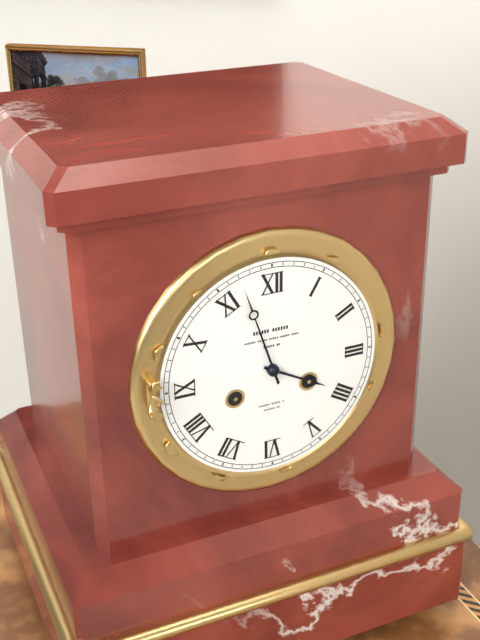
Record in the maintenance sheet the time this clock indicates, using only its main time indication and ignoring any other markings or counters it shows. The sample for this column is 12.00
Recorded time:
3.57
